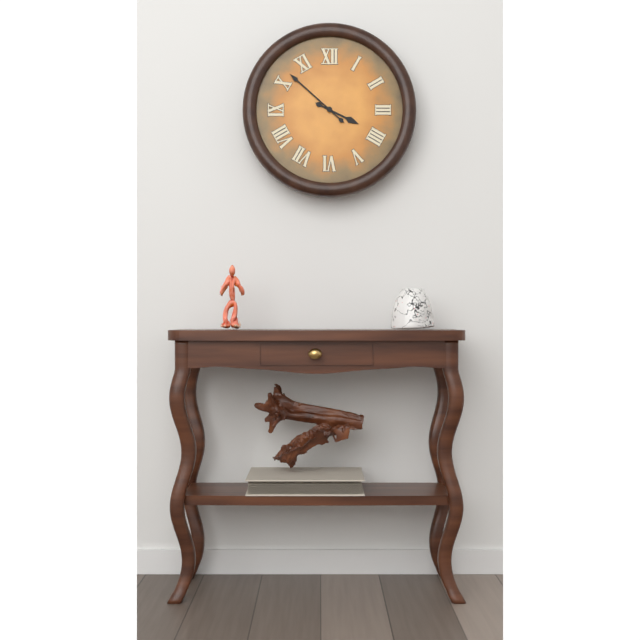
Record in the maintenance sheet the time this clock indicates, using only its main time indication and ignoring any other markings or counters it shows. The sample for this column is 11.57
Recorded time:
3.52
